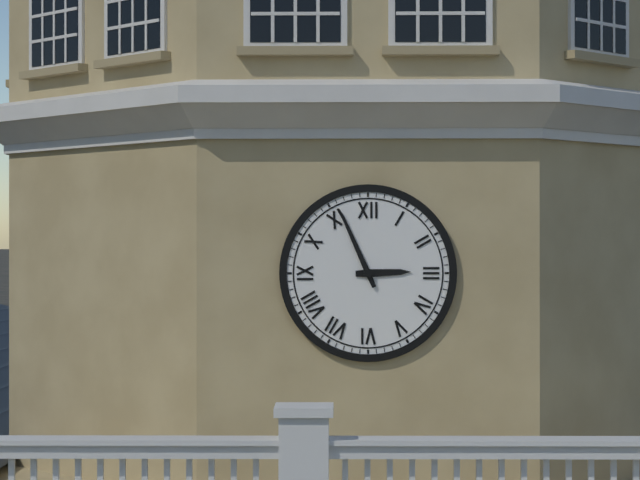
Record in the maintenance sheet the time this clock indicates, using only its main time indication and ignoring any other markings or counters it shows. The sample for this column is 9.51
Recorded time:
2.56
